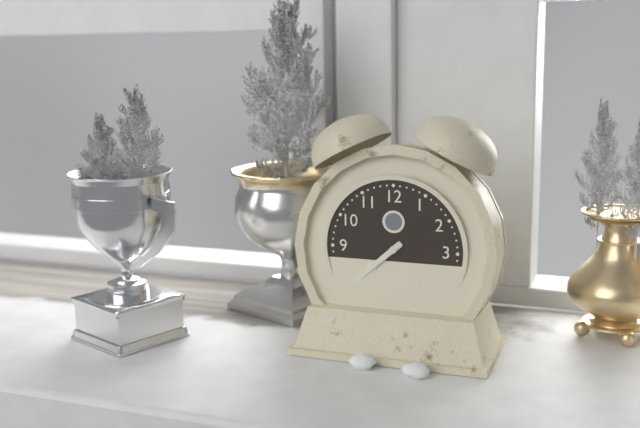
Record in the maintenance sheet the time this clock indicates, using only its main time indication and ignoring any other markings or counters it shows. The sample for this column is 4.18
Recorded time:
7.38
